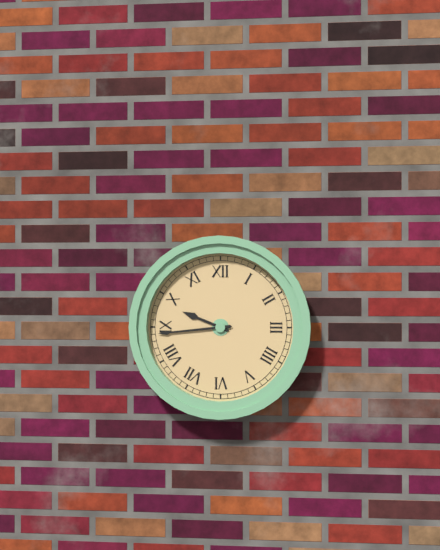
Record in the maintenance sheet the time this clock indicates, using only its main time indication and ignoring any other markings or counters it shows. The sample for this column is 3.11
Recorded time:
9.44
